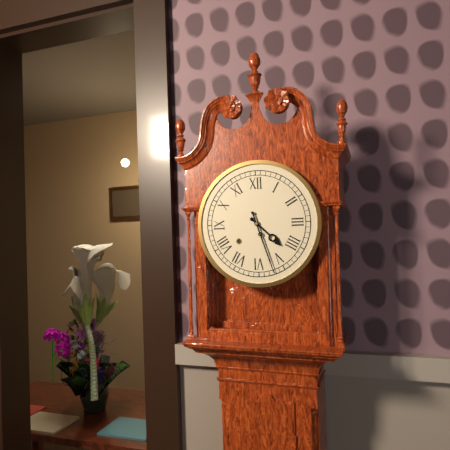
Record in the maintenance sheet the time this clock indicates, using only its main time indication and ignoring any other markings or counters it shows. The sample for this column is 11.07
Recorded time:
4.27
